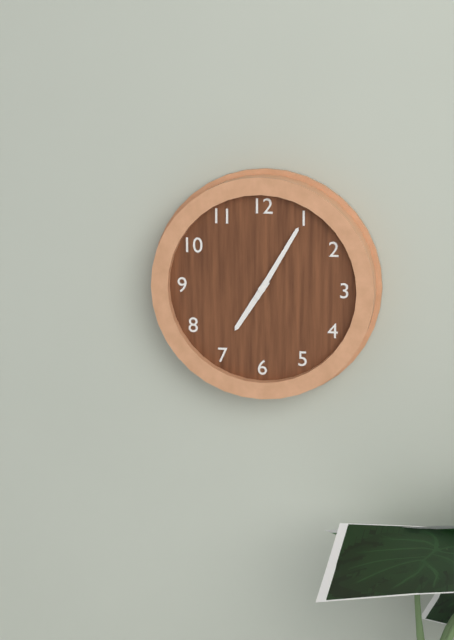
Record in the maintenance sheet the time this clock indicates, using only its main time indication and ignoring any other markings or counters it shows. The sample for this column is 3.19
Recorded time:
7.05
